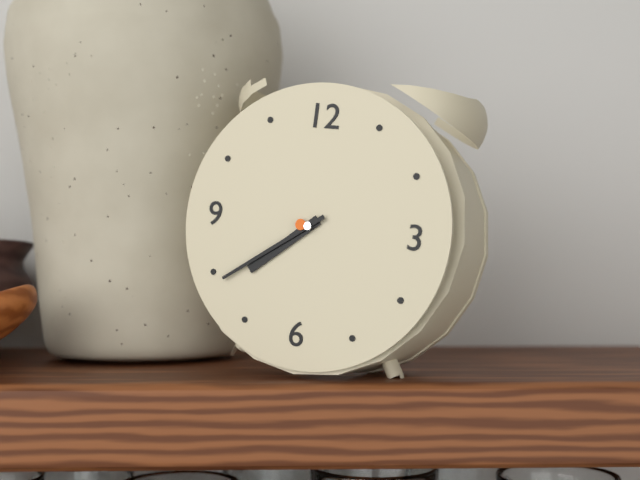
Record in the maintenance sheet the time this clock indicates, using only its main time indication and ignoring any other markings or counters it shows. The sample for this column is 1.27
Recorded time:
7.39
